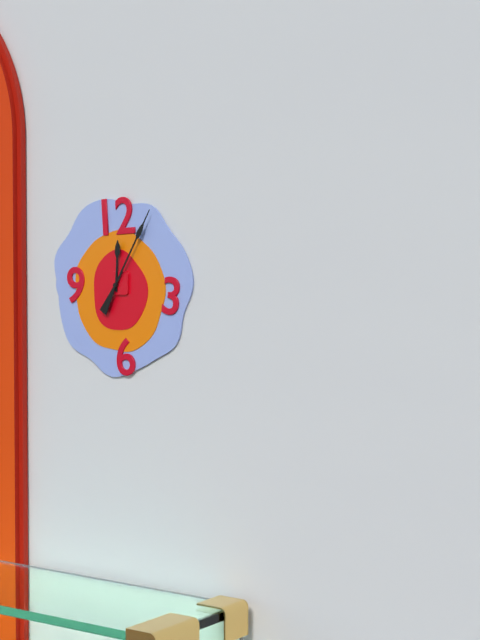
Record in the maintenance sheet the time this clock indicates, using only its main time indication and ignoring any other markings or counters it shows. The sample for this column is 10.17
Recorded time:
12.05
